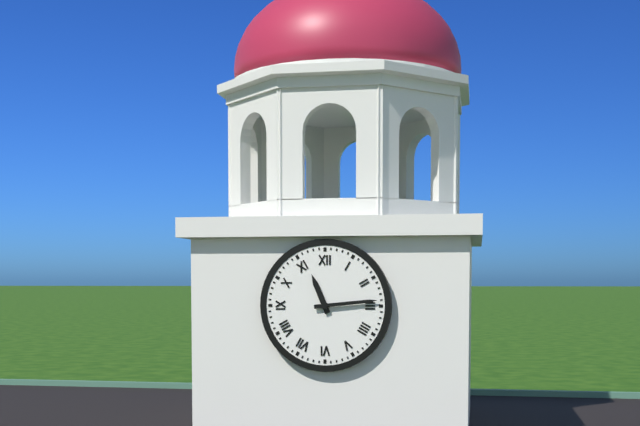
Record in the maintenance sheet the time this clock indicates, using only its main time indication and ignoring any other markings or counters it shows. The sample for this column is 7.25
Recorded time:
11.14
